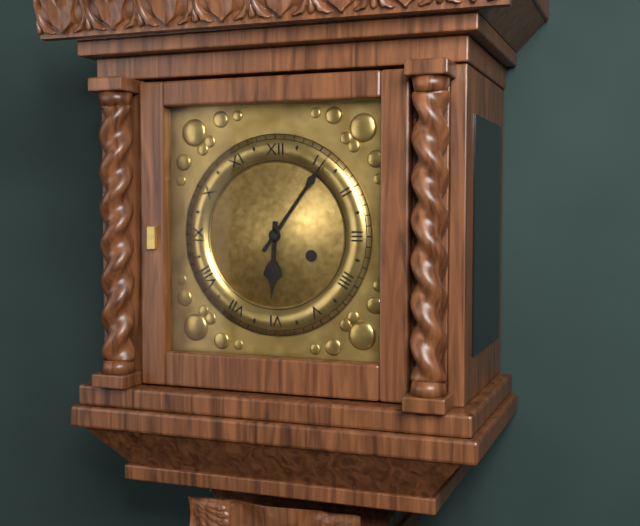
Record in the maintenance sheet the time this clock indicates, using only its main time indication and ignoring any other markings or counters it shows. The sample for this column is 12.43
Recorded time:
6.06
